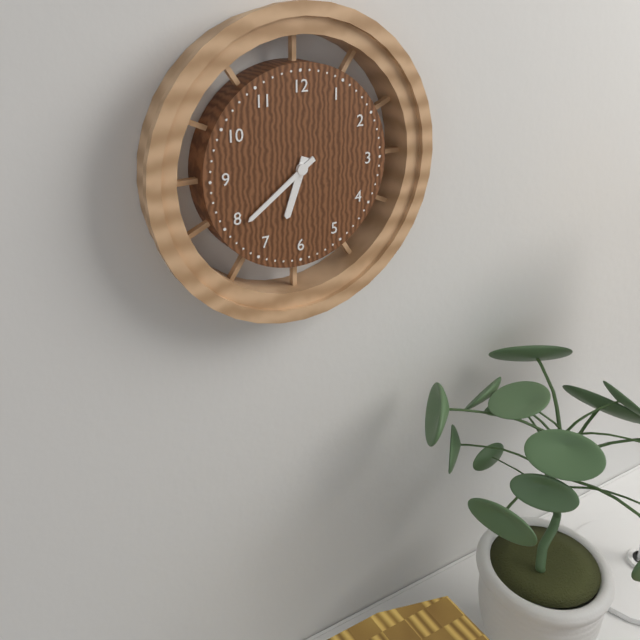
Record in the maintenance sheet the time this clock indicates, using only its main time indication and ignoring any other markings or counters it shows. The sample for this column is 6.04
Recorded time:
6.39
